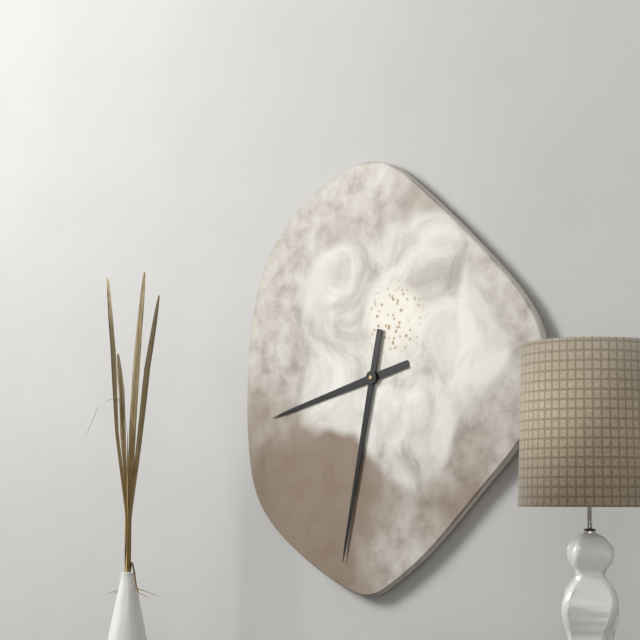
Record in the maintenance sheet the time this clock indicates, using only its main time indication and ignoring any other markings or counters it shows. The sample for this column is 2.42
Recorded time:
8.32
